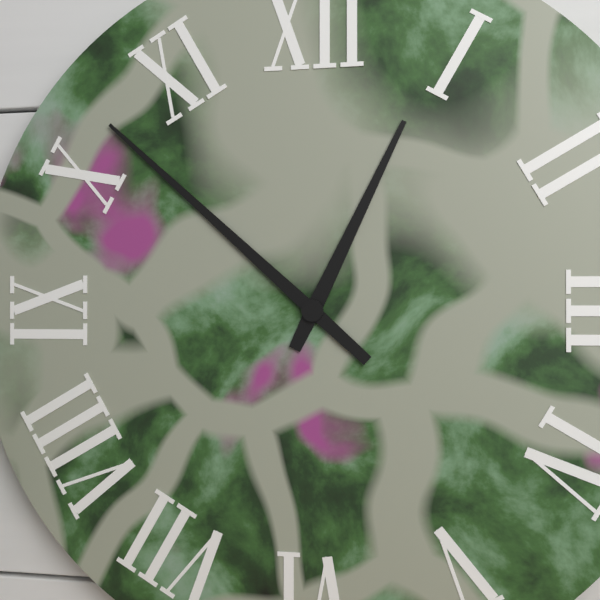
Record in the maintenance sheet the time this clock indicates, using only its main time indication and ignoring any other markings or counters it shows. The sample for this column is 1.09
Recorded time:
12.52
